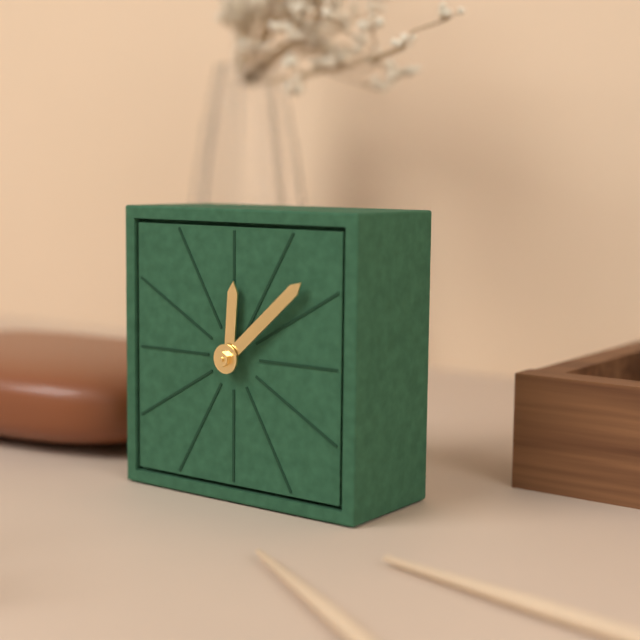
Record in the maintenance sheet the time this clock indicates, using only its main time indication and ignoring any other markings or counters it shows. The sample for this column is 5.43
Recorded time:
12.08
